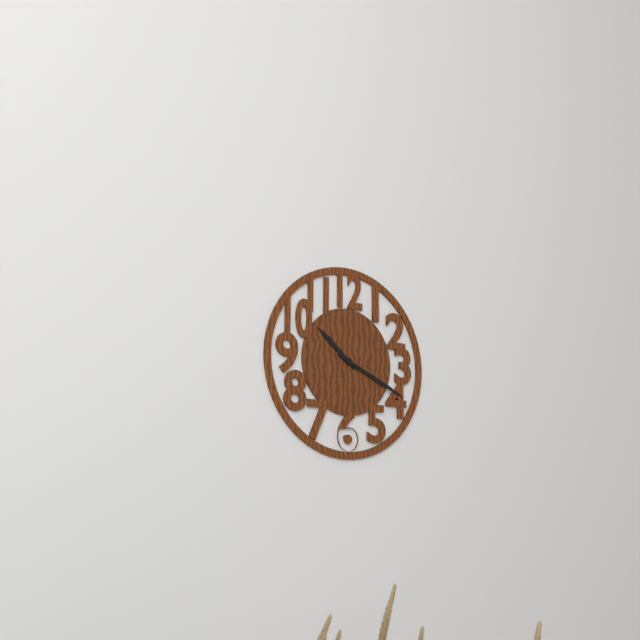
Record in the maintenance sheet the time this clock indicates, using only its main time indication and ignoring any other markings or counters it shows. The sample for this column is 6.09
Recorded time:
10.19
